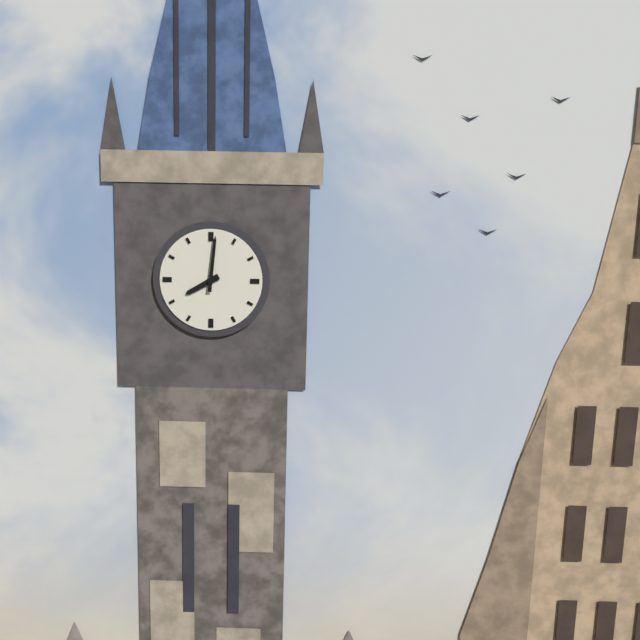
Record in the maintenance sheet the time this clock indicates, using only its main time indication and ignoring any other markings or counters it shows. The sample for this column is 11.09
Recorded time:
8.01
